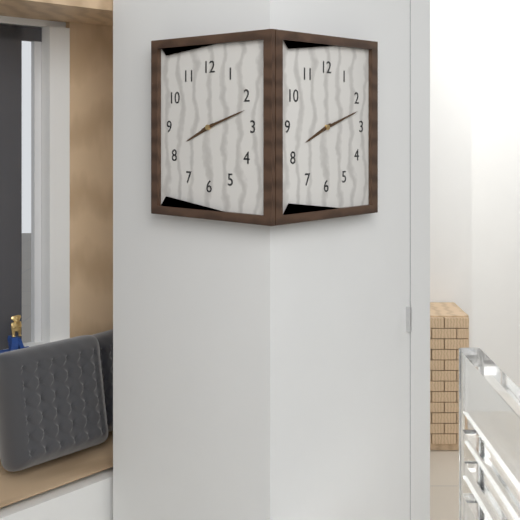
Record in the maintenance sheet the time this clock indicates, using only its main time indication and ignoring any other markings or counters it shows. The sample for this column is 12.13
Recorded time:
8.12
